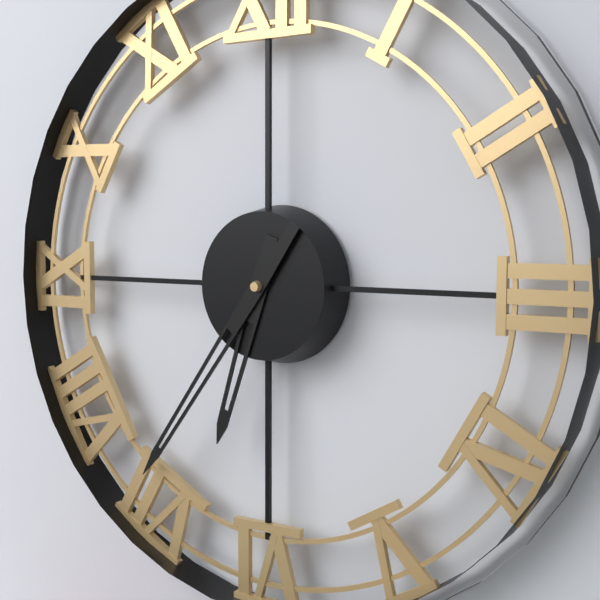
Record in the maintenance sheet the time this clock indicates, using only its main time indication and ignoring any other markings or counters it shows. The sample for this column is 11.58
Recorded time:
6.36
